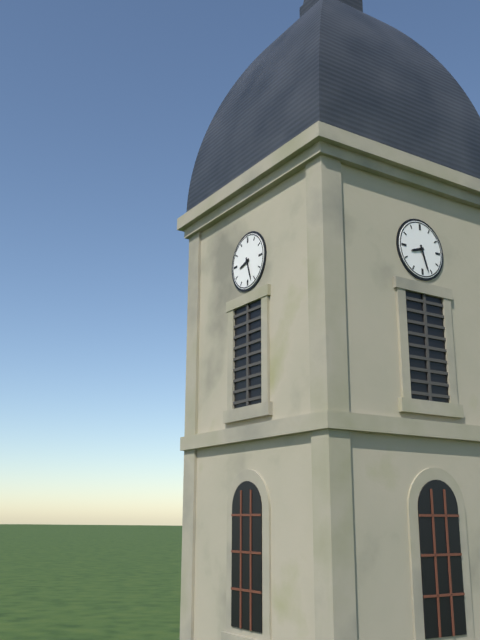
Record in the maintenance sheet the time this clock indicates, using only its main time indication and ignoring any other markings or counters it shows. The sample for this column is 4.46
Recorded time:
8.27
